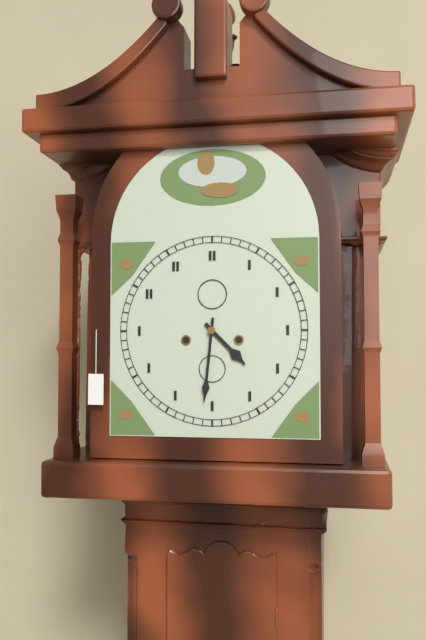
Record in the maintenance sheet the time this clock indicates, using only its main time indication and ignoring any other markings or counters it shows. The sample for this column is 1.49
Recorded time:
4.31
